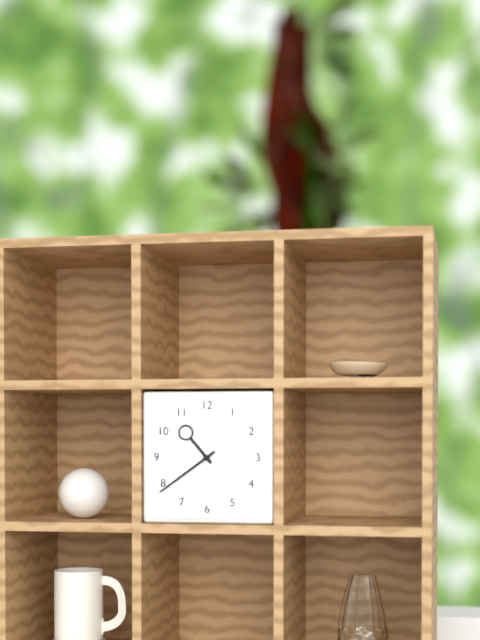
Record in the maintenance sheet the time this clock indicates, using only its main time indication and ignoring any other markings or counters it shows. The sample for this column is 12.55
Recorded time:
10.39
